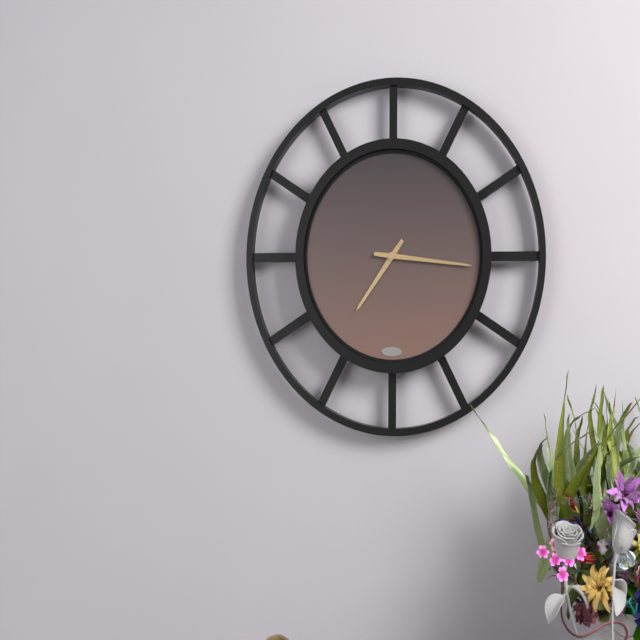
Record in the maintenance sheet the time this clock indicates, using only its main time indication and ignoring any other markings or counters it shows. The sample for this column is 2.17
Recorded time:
7.16
